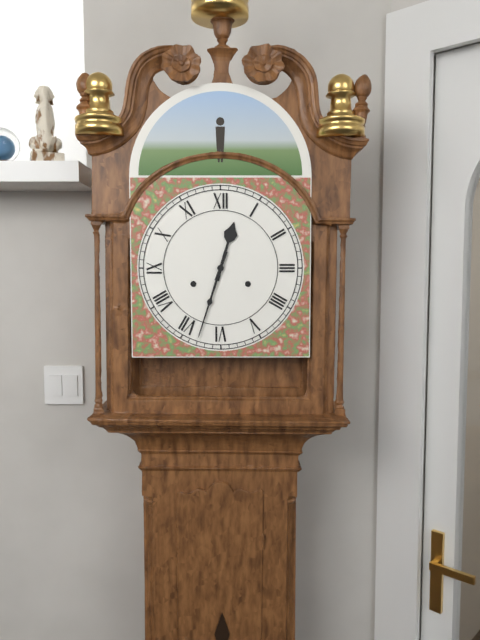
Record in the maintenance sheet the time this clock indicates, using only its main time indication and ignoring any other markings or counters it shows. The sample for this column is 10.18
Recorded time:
12.33
